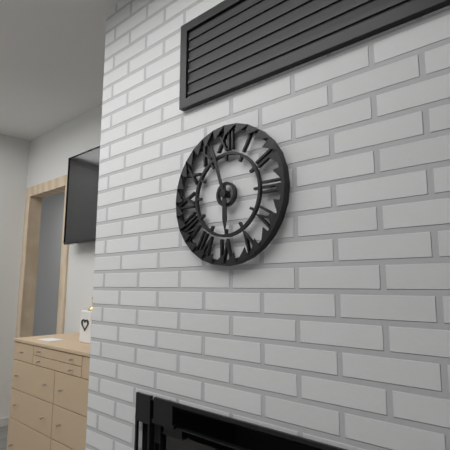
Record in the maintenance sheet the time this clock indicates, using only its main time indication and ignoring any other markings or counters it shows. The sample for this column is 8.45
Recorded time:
5.57
